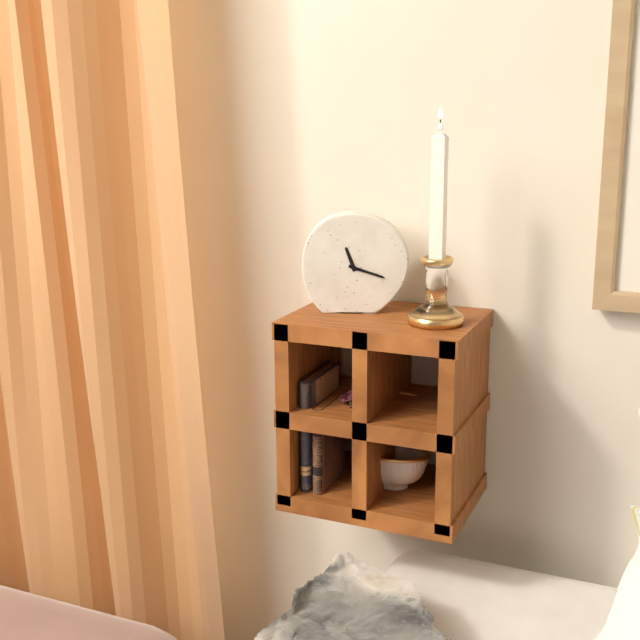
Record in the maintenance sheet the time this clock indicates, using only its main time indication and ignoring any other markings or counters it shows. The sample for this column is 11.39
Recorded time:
11.18
